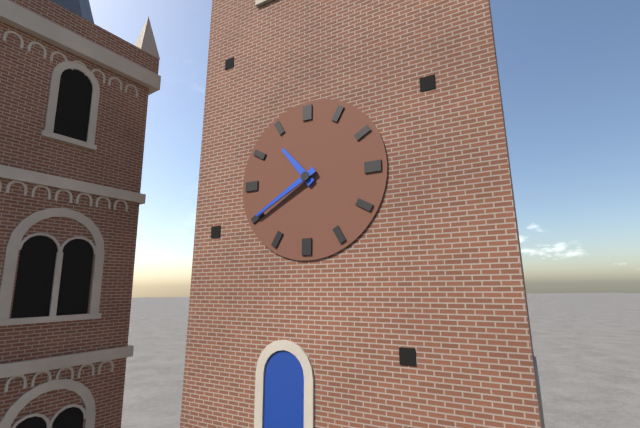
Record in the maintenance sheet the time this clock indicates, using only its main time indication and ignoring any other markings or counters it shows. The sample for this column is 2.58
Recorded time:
10.40
